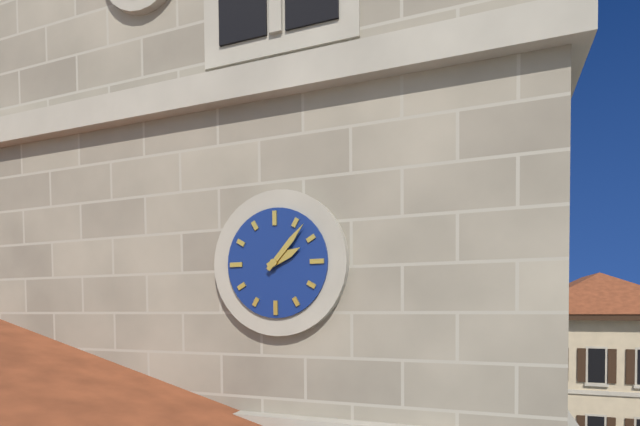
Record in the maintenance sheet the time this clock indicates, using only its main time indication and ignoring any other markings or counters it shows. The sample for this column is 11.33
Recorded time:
2.07
